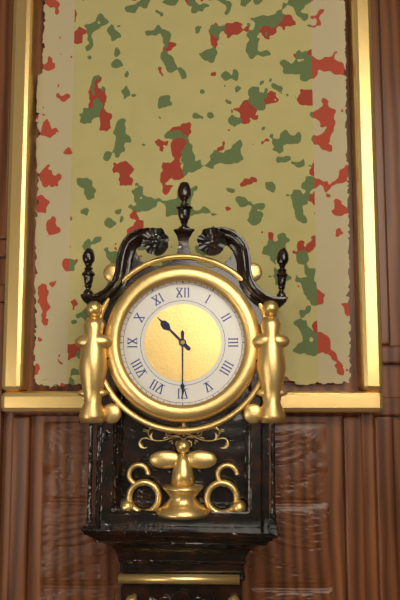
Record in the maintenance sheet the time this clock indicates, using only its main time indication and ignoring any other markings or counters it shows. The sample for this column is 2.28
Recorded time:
10.30
